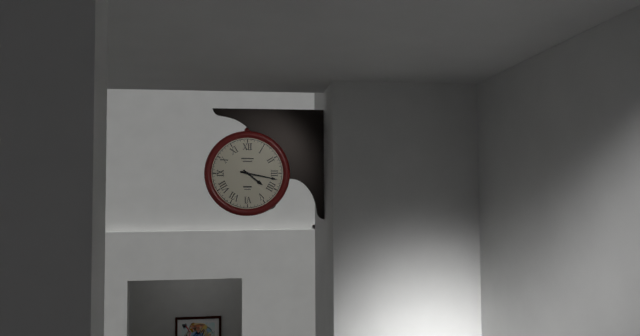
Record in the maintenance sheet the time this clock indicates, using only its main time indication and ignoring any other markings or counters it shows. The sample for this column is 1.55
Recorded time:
4.17
